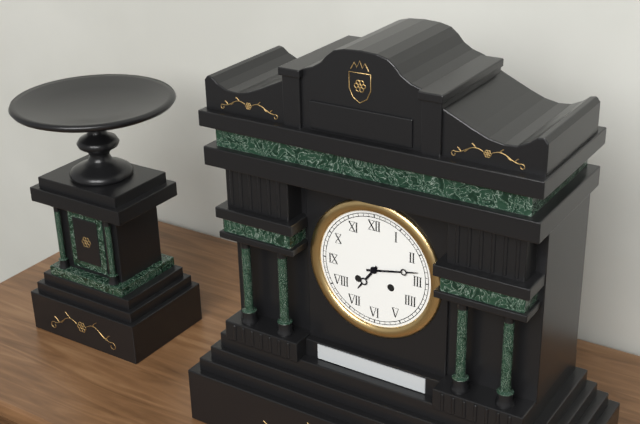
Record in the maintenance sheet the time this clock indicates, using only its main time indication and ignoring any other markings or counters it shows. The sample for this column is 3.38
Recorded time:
7.13
